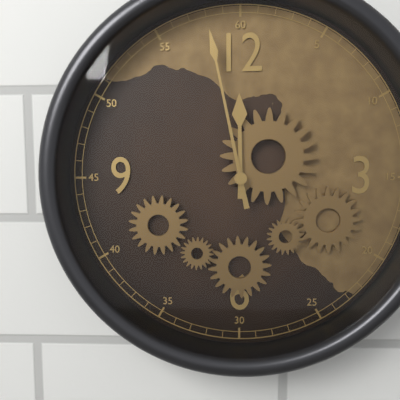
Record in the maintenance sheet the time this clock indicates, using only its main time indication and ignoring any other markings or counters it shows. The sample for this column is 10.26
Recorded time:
11.58
